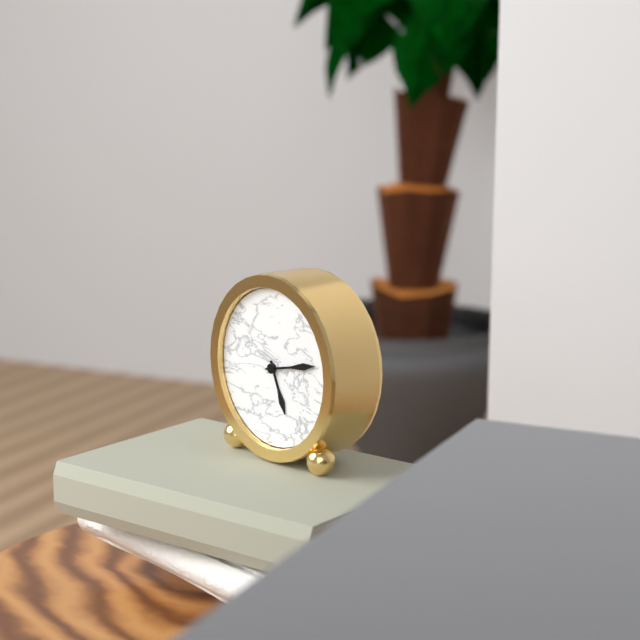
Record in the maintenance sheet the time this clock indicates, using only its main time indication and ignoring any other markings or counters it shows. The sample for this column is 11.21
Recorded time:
5.13
